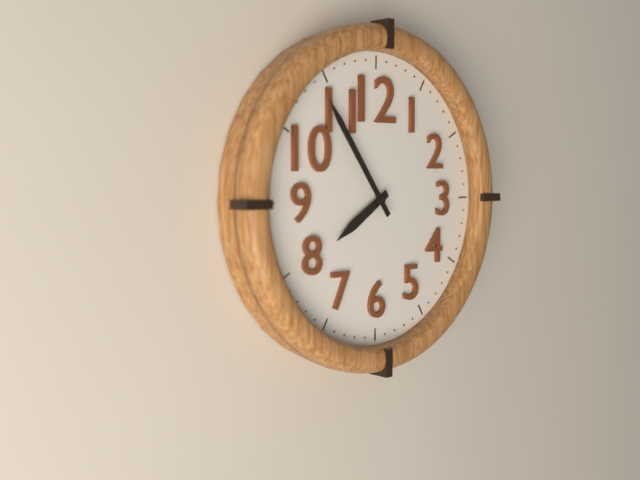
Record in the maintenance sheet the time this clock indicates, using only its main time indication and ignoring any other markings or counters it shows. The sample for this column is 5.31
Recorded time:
7.54
